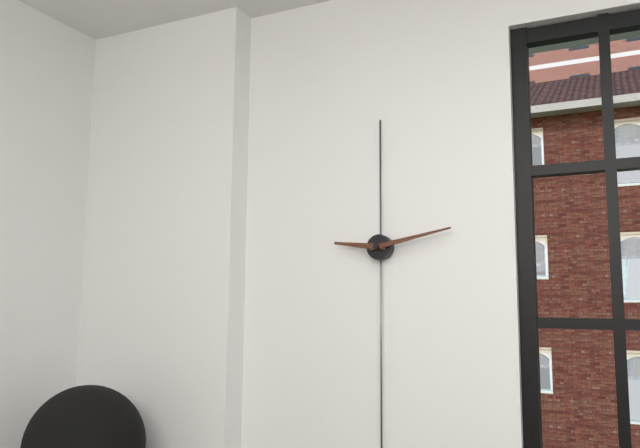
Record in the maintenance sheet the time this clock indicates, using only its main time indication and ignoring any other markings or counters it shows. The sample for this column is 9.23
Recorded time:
9.13
